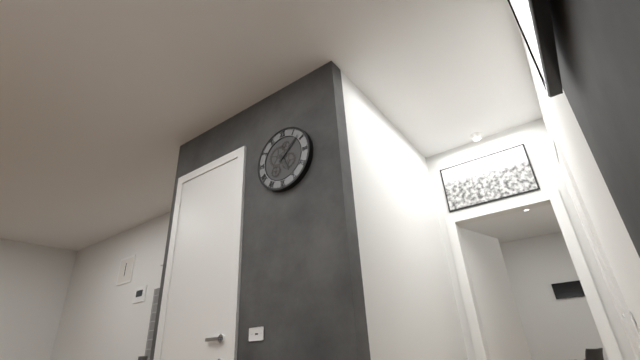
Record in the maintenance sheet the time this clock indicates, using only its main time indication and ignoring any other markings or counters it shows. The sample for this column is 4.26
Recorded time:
5.08
